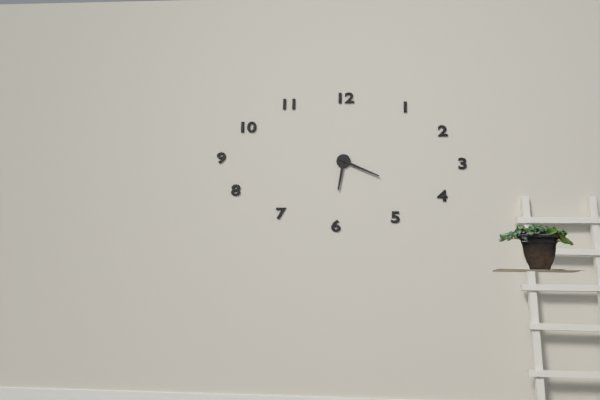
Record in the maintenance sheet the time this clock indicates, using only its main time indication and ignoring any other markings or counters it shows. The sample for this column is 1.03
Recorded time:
6.19
